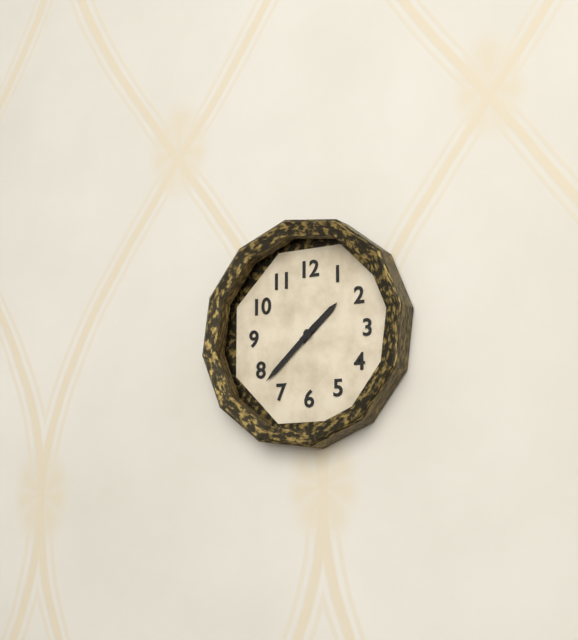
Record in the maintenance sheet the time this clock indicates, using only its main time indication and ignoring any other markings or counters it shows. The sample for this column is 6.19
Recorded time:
1.38
